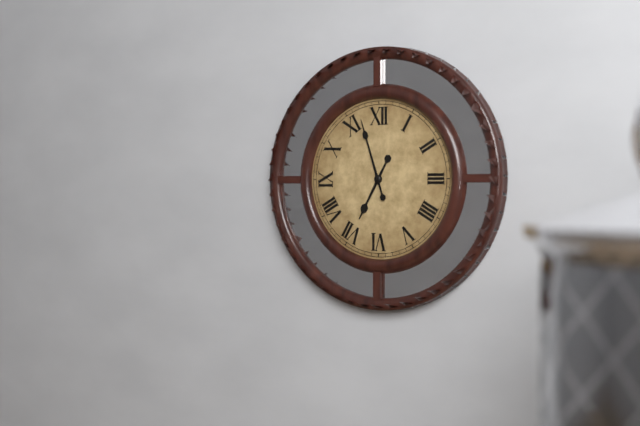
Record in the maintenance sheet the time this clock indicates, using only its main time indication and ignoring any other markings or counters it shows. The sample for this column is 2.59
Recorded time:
6.57
